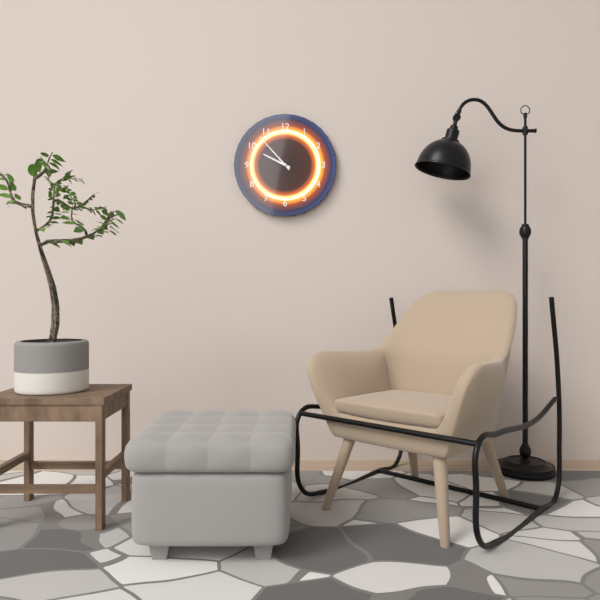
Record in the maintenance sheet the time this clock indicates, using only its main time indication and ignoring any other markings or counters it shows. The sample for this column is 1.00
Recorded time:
9.53
